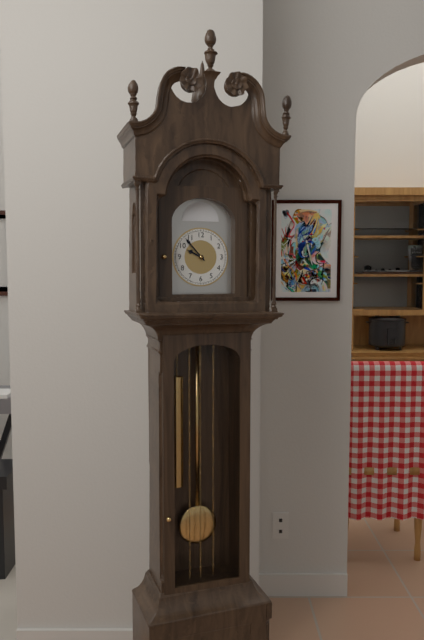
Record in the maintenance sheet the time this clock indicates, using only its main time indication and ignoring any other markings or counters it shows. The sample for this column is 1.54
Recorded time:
9.53
